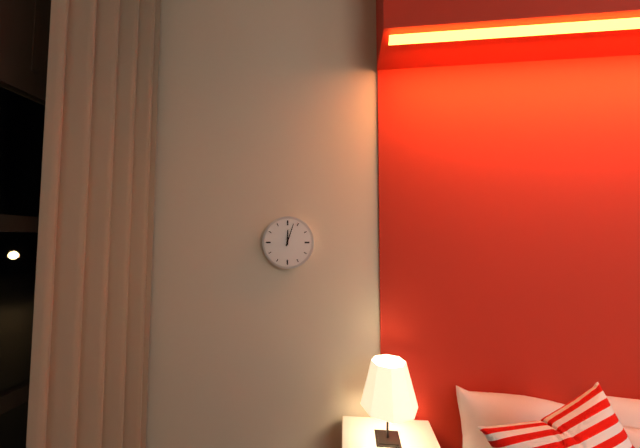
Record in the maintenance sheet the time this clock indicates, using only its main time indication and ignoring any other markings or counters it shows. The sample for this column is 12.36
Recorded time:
12.03
